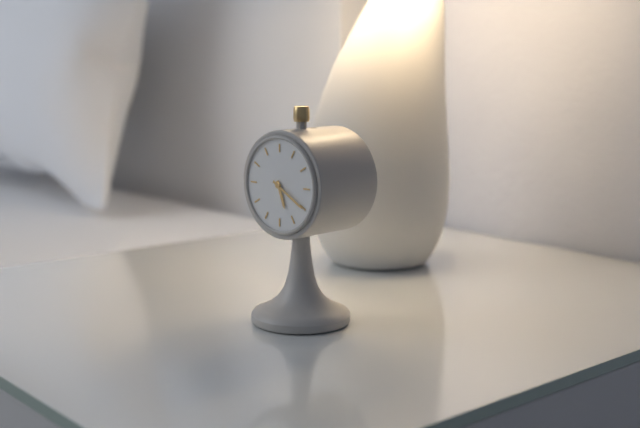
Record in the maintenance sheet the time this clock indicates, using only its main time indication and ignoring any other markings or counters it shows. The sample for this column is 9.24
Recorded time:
5.20
